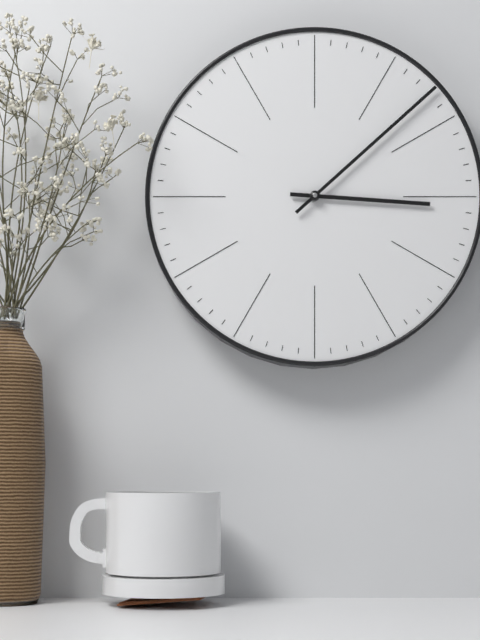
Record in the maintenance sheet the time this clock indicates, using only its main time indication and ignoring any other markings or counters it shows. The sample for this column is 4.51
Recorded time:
3.08
